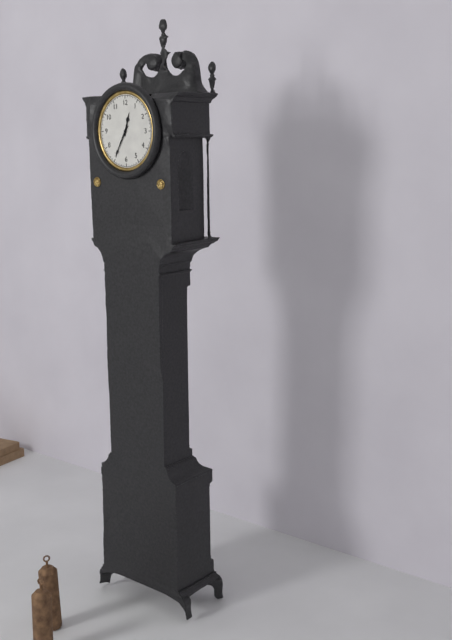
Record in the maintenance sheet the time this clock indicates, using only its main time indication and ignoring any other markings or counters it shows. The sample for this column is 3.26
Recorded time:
12.35
